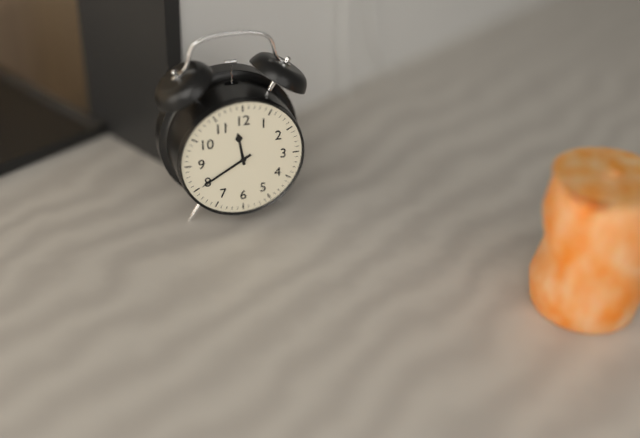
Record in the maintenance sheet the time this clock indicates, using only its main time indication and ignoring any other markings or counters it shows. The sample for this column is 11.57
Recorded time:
11.40
